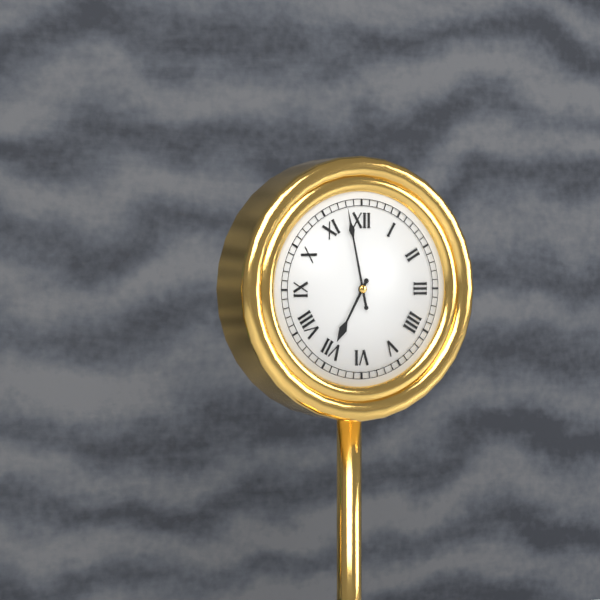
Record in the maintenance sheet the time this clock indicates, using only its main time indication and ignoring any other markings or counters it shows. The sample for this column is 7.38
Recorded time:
6.58
